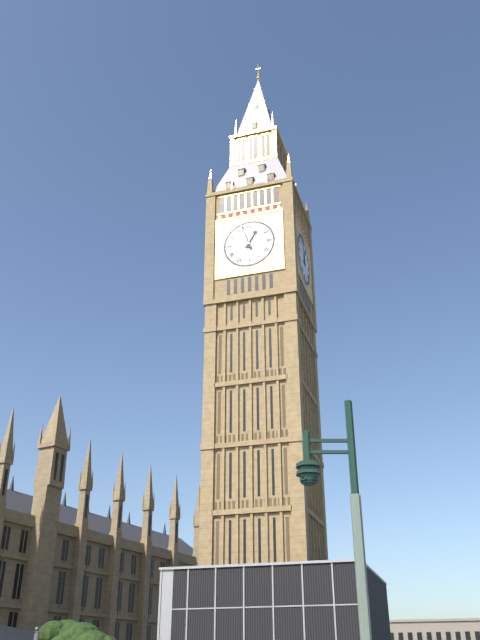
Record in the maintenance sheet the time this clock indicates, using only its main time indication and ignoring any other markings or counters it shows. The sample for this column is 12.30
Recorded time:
12.57
